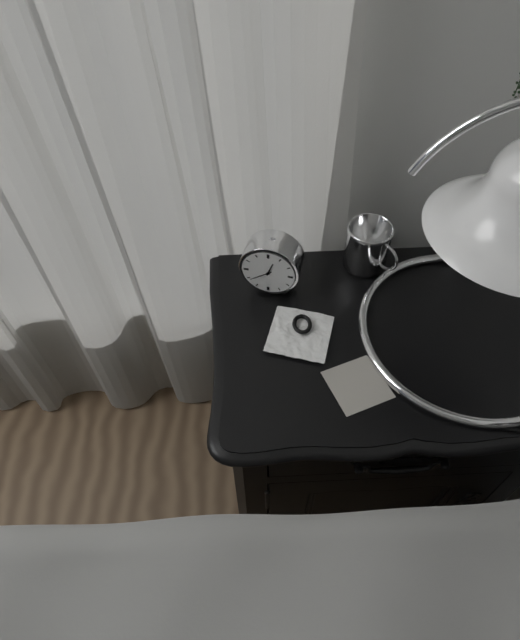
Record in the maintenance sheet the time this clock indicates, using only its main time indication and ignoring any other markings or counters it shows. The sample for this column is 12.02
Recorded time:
12.39
